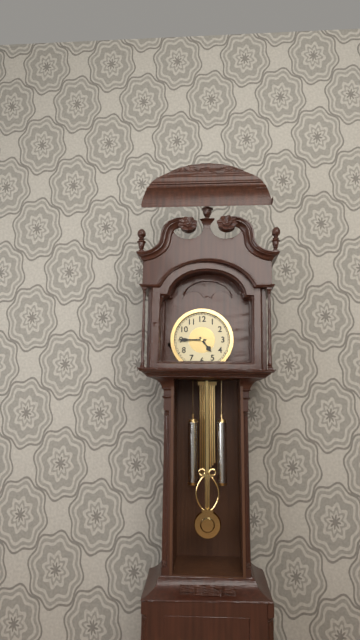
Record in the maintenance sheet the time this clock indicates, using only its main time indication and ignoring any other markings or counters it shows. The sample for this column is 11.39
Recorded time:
4.45
